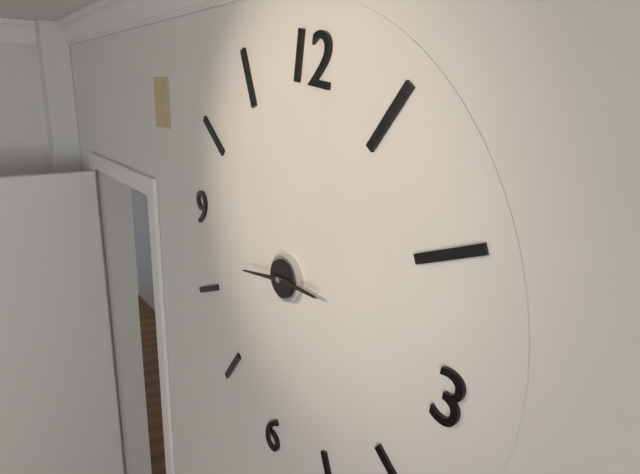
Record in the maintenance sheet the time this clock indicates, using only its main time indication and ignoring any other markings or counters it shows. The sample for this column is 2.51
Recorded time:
2.42
